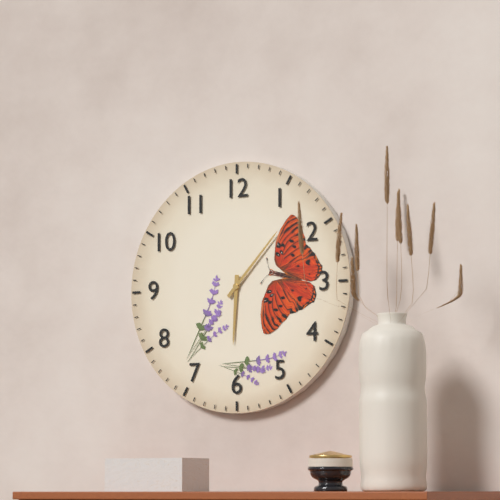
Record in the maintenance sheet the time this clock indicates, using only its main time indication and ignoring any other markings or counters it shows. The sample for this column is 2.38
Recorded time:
6.07
